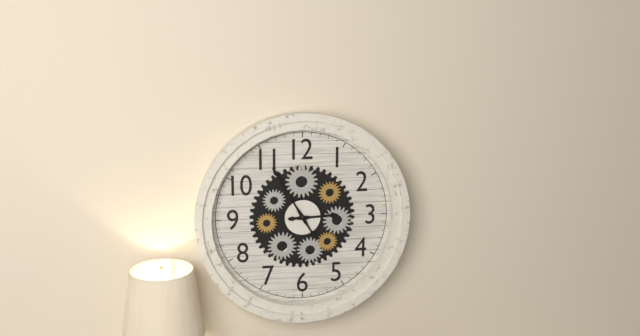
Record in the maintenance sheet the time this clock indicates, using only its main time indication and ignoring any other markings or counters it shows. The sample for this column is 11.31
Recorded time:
2.55
